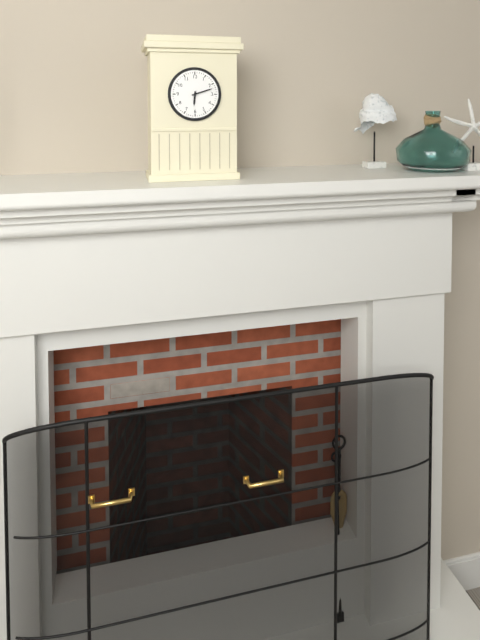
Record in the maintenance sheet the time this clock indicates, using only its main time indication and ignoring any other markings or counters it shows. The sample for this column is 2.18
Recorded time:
6.12
